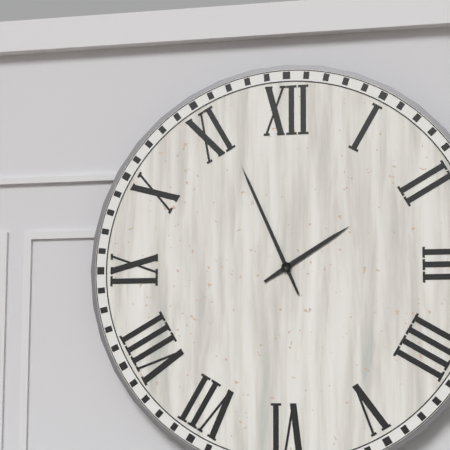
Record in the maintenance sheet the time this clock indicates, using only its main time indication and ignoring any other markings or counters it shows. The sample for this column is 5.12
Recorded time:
1.56
